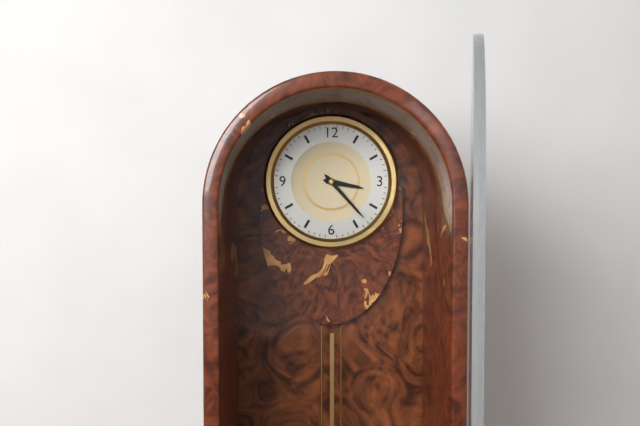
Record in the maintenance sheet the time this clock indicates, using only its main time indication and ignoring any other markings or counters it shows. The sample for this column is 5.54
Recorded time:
3.23
